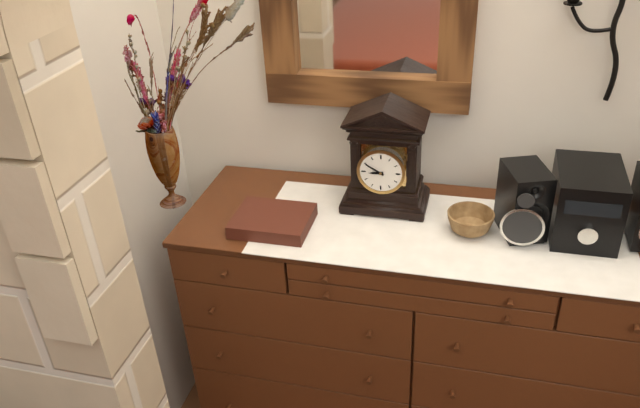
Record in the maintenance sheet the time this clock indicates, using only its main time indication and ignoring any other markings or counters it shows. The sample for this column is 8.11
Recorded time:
8.50
